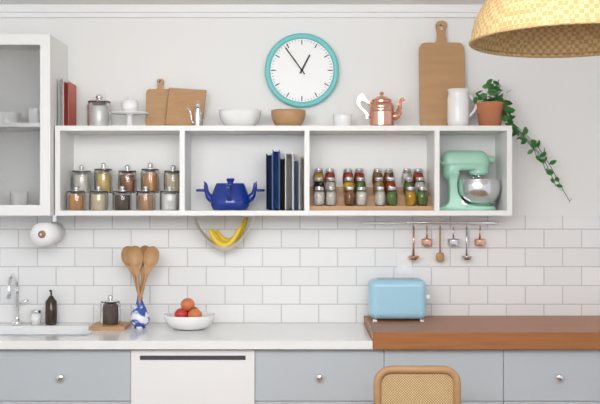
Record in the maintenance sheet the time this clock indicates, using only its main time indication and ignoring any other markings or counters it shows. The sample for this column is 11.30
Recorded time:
12.54
